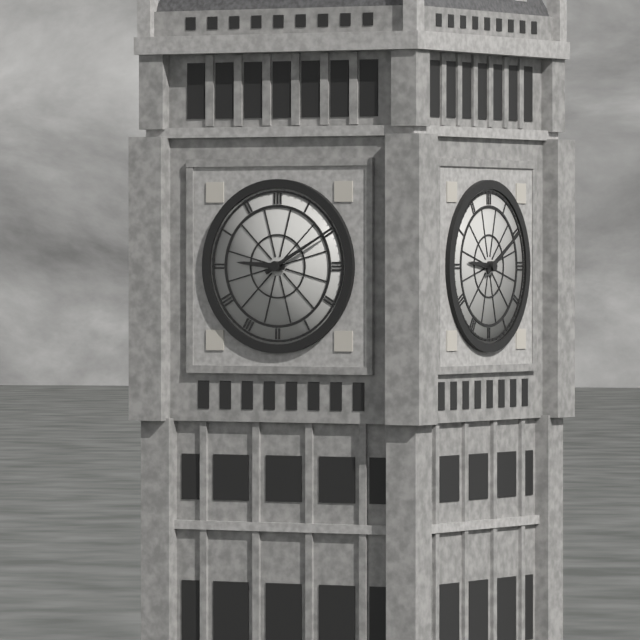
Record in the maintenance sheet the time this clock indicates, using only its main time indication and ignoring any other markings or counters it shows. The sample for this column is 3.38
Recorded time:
9.10
